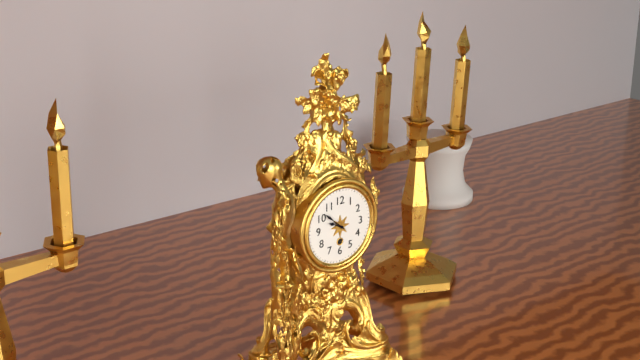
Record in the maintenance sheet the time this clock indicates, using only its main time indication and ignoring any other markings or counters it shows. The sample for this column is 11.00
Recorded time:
9.52
